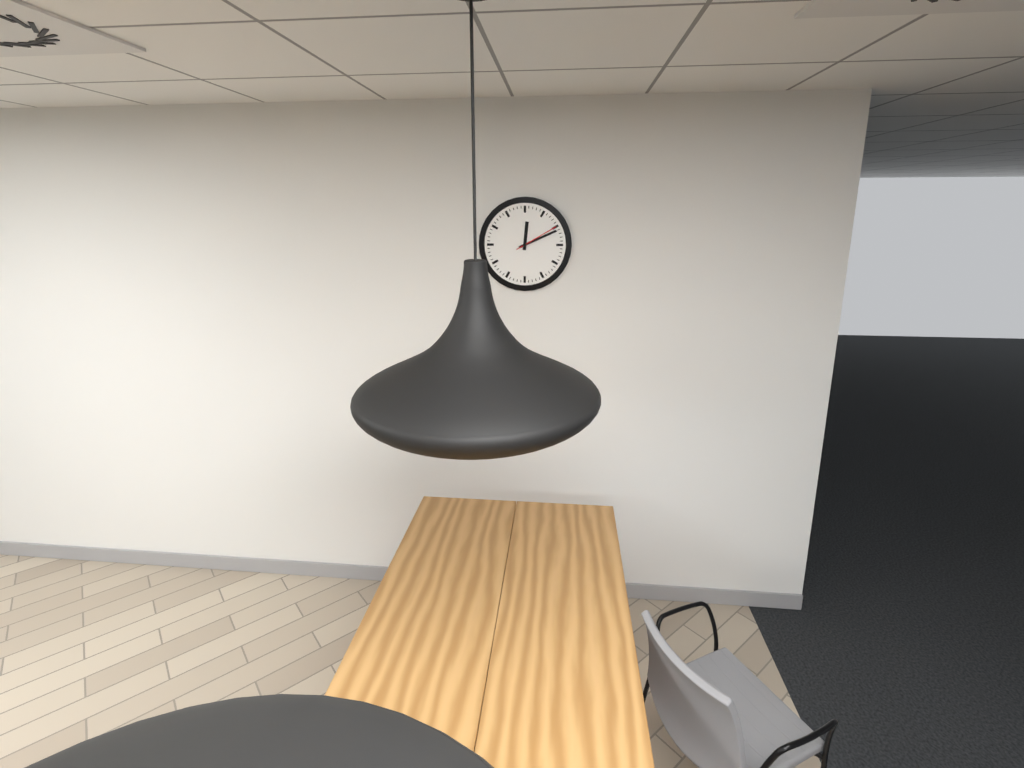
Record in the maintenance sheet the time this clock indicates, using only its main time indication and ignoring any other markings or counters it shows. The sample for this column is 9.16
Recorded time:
12.11
